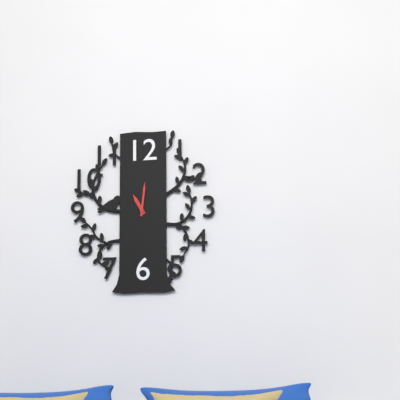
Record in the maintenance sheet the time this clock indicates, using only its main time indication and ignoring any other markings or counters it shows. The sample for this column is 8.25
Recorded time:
11.01
